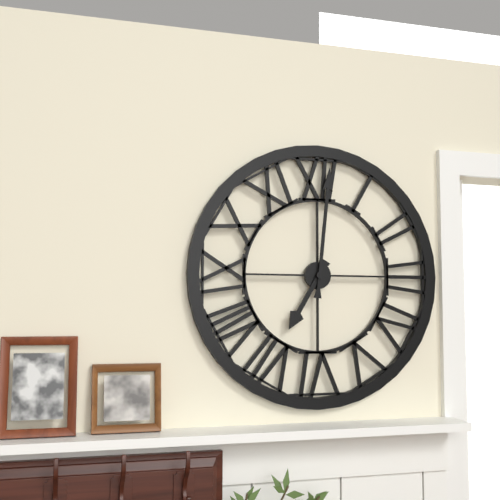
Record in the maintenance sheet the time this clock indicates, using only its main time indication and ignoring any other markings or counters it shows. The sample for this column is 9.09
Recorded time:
7.01
